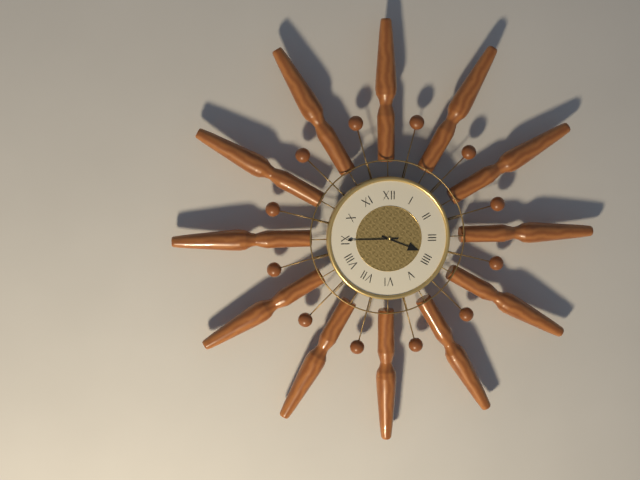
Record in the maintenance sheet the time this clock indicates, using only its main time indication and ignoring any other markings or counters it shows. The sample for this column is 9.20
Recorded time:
3.45
